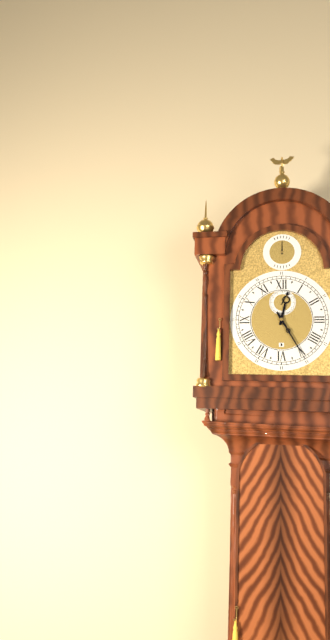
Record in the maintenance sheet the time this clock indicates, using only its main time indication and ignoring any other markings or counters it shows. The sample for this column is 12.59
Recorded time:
12.25
